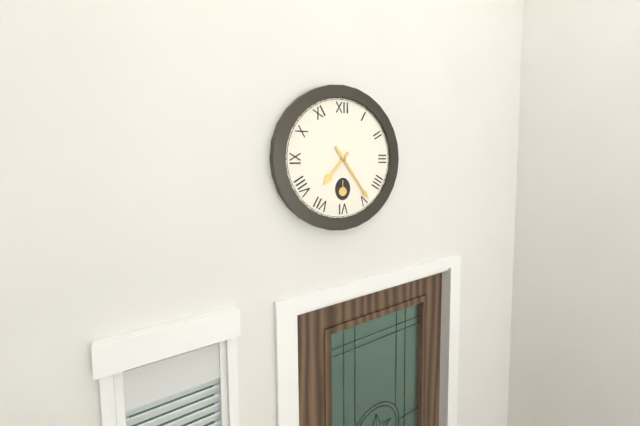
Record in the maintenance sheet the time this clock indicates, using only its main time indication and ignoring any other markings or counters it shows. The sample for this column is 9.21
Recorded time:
7.24
